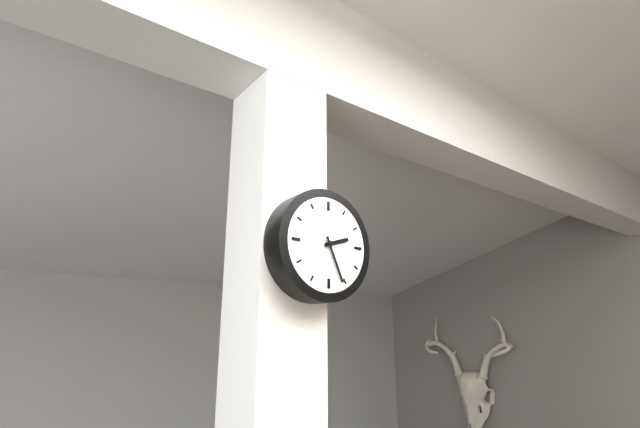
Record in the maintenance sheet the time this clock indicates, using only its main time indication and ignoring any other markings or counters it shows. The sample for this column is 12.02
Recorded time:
2.26
